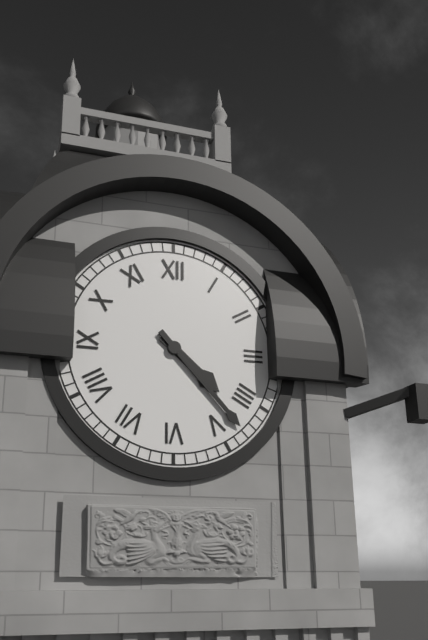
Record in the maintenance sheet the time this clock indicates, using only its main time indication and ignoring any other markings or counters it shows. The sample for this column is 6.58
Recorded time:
4.23
